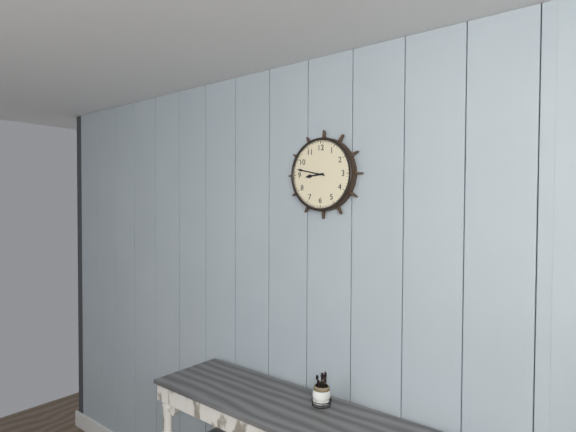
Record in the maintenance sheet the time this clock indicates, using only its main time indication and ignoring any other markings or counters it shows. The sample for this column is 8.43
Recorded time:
8.47
